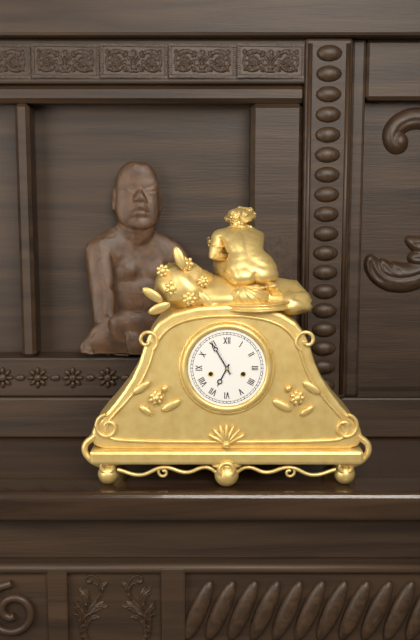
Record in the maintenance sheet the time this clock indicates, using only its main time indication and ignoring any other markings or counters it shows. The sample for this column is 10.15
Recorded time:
6.55
